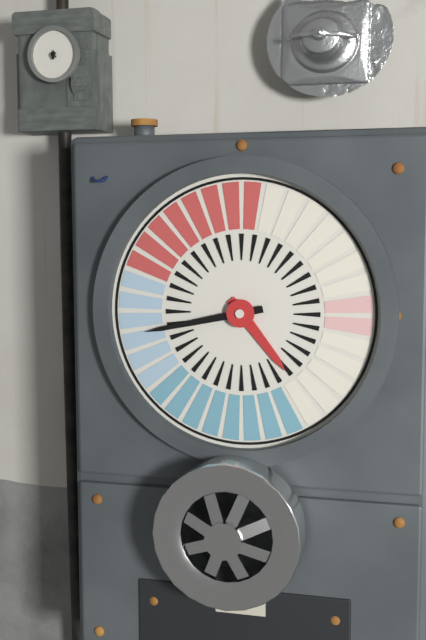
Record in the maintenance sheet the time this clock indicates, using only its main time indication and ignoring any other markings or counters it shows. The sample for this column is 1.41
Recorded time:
4.43
